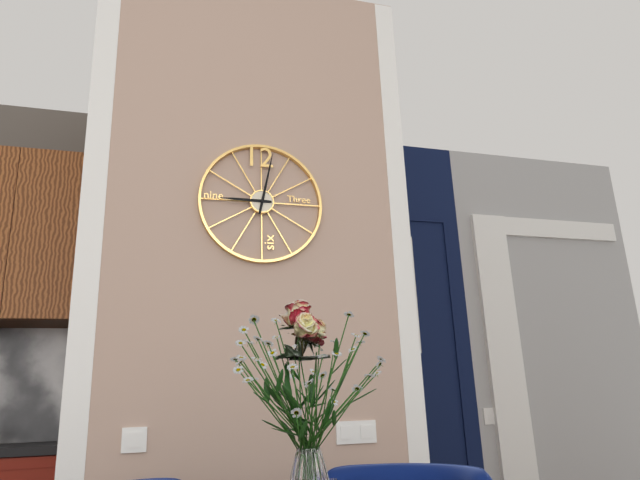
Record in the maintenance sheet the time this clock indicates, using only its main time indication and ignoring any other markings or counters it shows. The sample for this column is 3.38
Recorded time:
9.02
